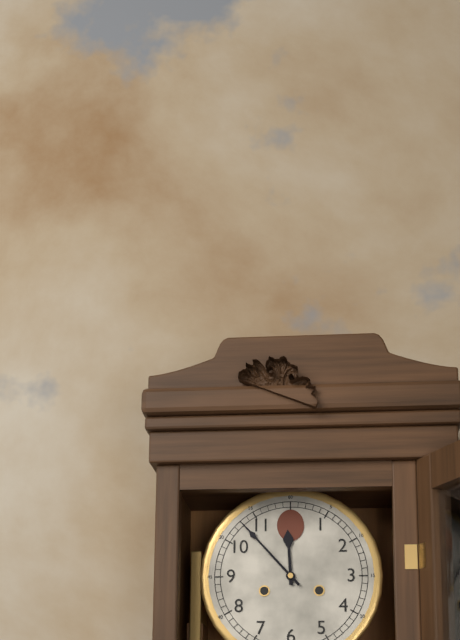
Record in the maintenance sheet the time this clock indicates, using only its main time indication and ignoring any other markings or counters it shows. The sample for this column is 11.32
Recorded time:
11.53
